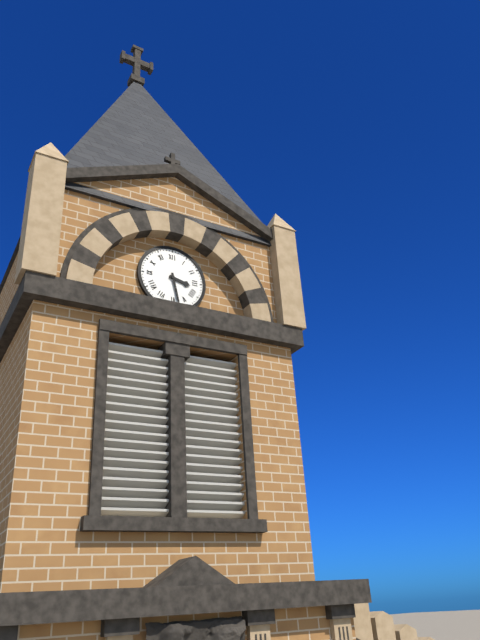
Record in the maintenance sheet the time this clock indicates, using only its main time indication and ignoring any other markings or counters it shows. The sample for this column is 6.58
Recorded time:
3.28
